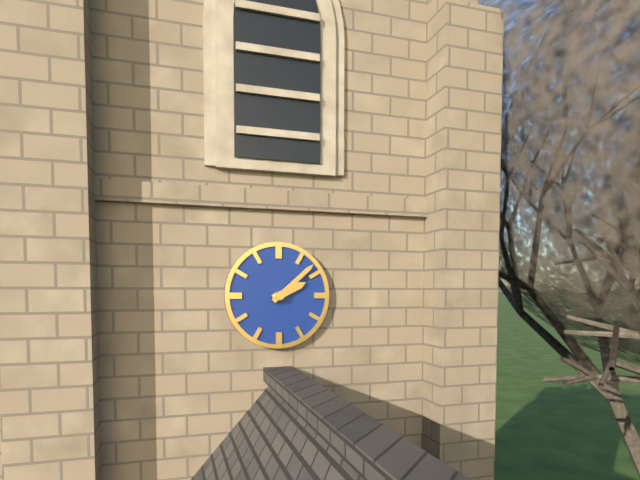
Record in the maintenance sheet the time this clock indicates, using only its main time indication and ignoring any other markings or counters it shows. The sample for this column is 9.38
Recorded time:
2.08
